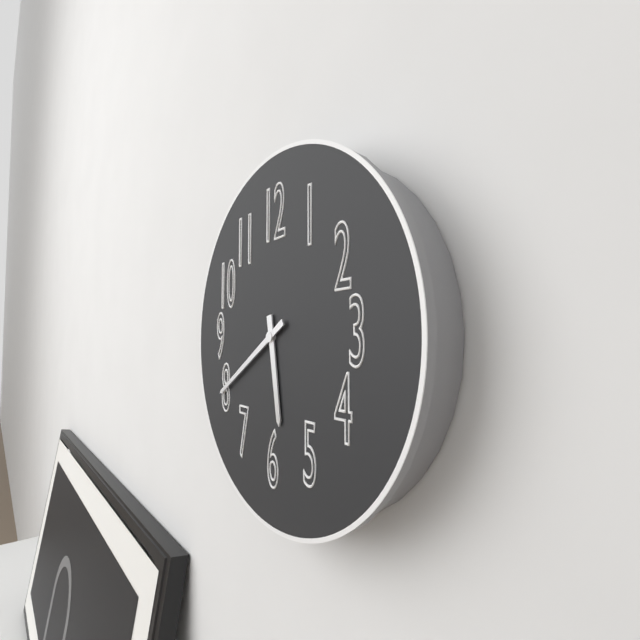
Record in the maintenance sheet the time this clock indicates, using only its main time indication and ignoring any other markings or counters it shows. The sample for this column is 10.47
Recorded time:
5.40
